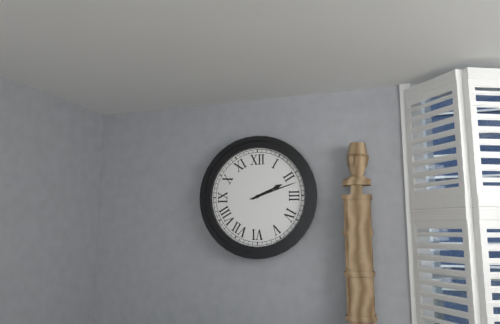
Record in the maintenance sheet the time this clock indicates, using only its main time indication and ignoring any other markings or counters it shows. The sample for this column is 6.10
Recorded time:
2.12
